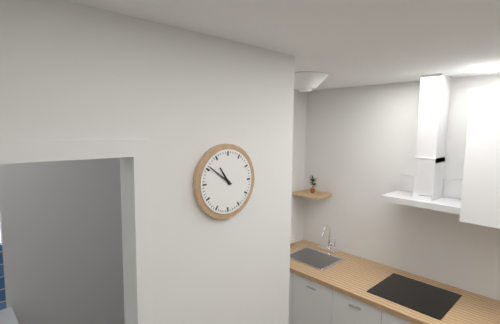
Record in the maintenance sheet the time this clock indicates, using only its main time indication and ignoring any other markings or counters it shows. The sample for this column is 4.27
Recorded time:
10.51
